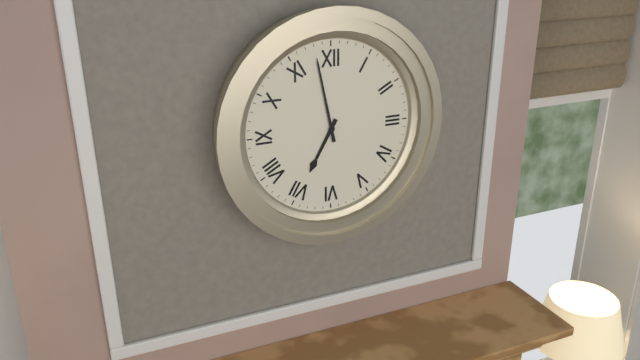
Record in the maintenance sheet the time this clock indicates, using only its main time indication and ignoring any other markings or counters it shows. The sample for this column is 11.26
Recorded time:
6.58
